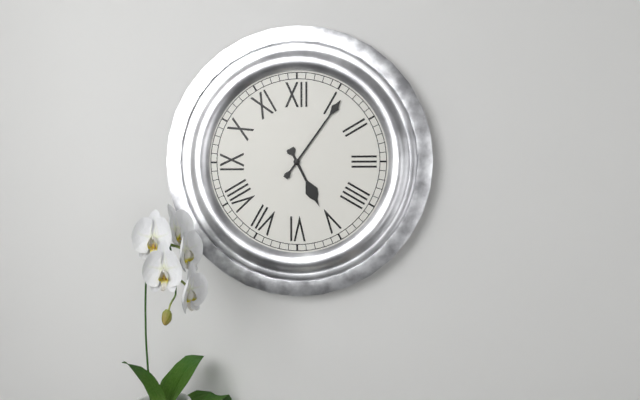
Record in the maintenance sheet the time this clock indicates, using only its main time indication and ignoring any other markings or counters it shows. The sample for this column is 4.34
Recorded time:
5.06
